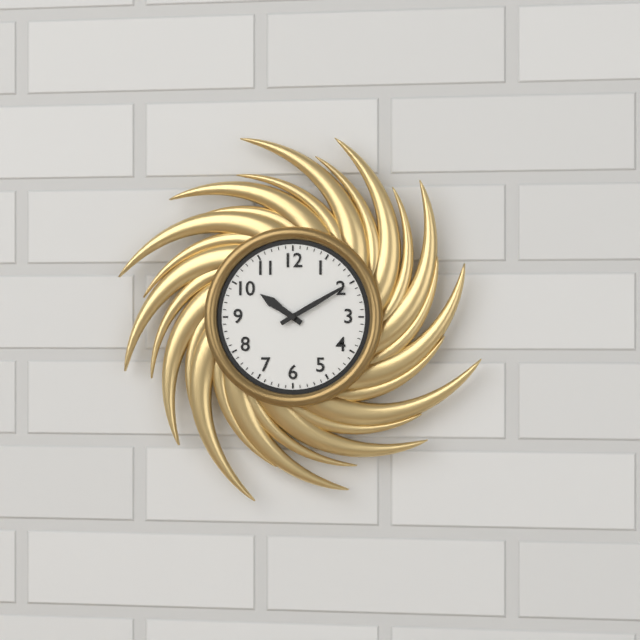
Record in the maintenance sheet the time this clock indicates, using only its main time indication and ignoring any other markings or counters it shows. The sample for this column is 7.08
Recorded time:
10.10
